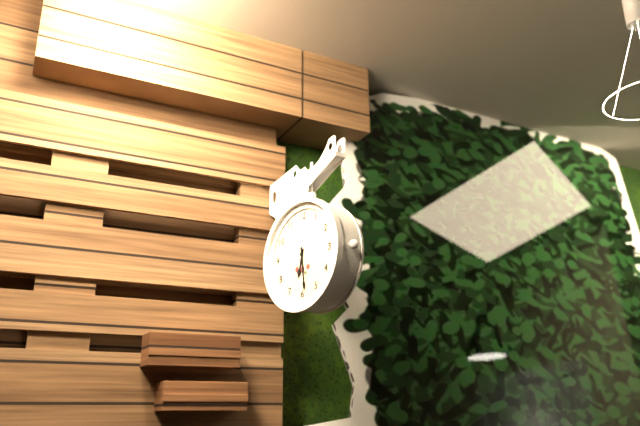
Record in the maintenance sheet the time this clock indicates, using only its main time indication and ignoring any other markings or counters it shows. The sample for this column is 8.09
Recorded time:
6.29
